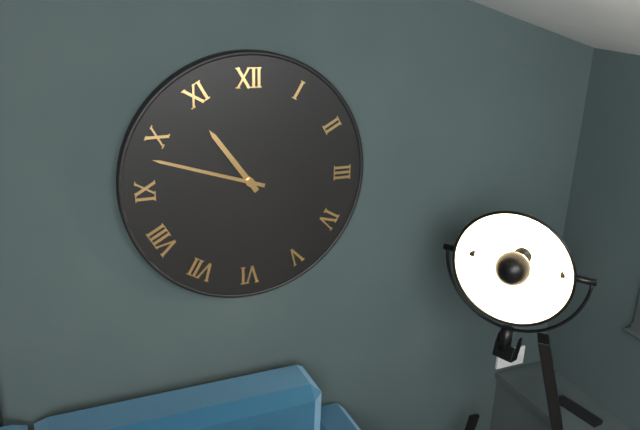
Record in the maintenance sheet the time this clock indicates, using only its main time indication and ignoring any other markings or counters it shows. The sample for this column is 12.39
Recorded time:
10.48
